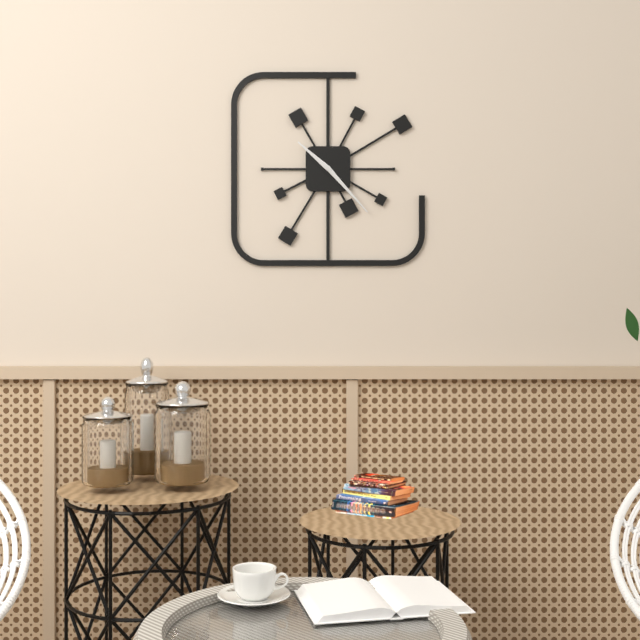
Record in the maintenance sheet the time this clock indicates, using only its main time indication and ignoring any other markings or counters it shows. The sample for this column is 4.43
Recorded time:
10.23
